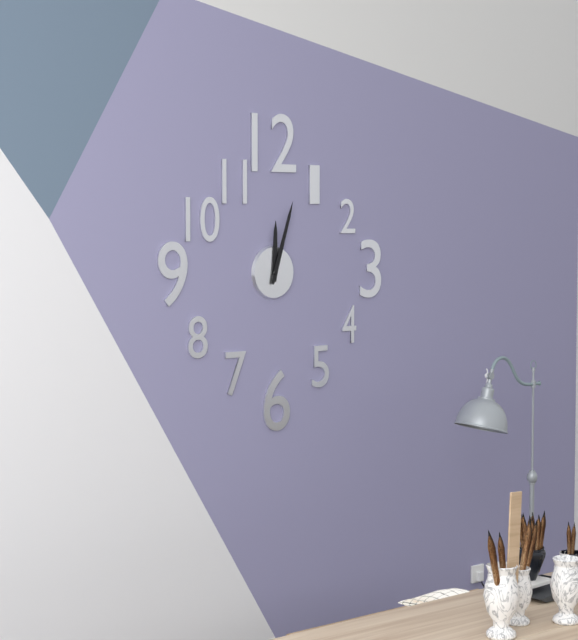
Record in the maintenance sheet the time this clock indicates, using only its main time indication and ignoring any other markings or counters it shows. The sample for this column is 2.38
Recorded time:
12.03
